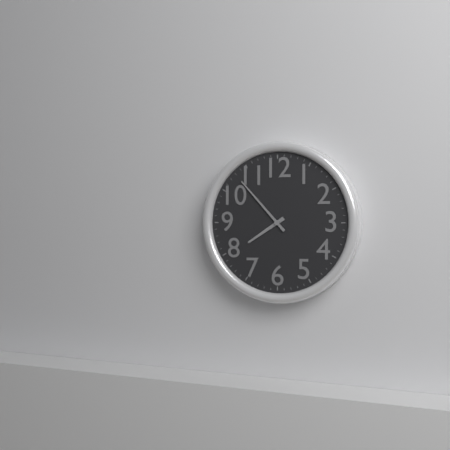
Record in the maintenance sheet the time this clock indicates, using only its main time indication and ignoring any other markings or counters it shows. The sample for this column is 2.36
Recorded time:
7.53
